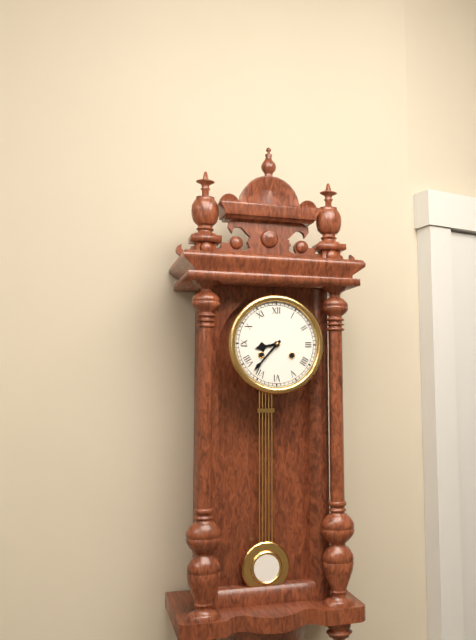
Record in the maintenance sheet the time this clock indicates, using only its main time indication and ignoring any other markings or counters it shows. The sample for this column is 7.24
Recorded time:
8.37
